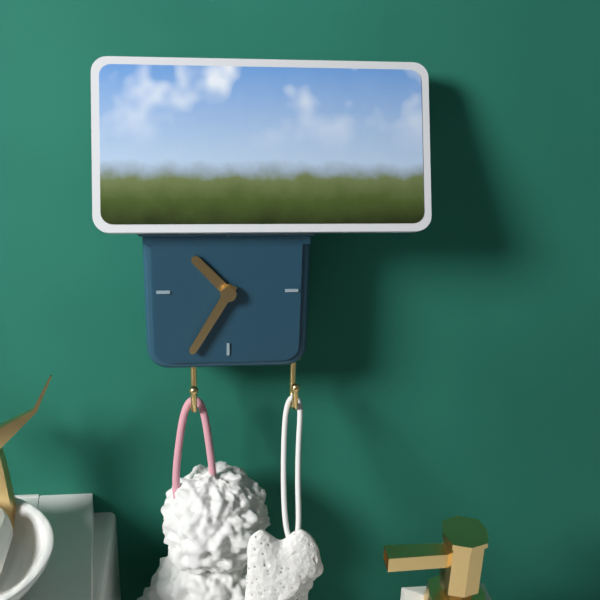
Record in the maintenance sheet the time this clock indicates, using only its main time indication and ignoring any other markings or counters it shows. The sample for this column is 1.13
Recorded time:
10.35
